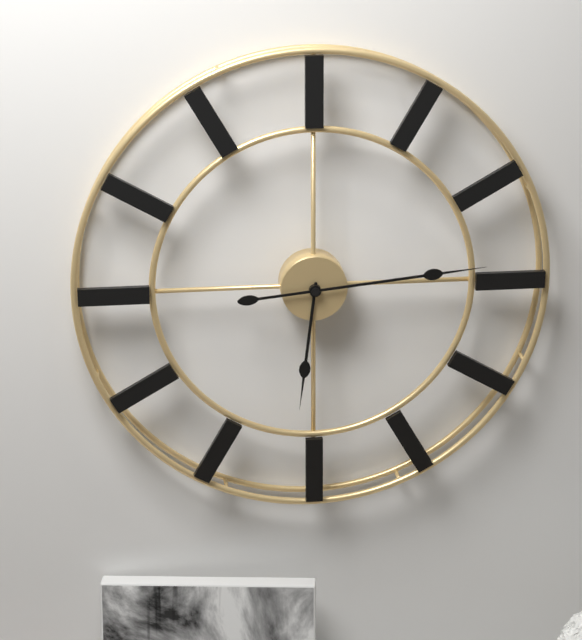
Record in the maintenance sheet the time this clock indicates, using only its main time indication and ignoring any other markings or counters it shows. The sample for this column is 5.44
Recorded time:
6.14
